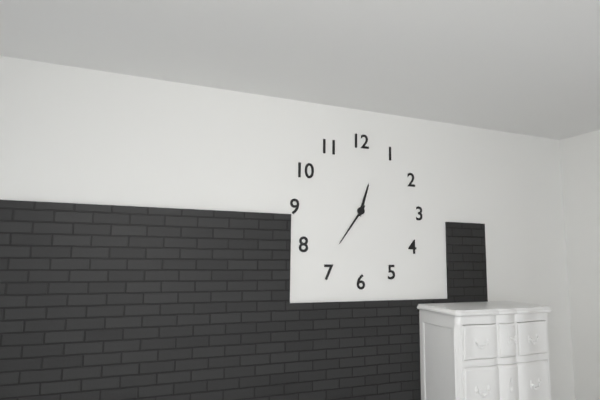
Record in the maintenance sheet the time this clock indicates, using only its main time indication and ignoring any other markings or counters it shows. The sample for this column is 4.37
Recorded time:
12.36
